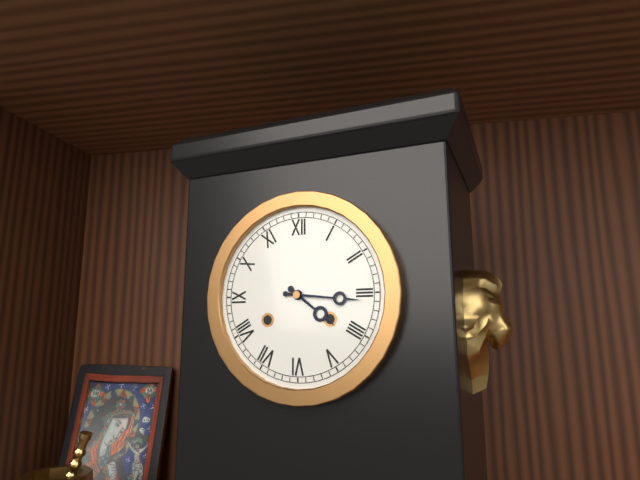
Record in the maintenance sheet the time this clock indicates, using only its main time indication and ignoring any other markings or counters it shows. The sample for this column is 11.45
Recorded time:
4.16
